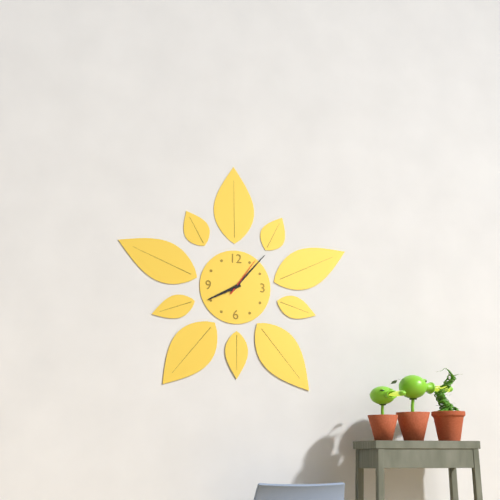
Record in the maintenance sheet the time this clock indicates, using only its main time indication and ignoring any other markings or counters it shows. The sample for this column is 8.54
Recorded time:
8.07
